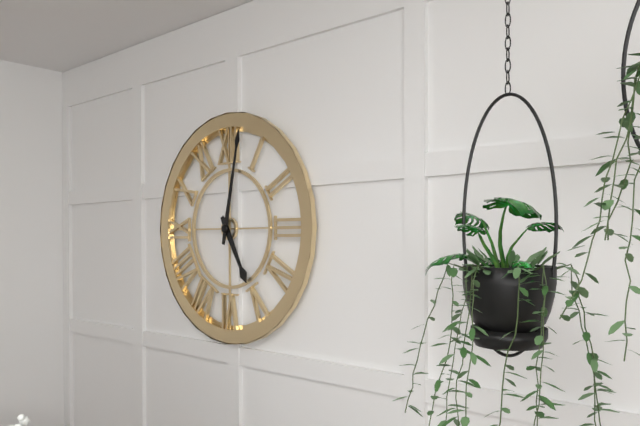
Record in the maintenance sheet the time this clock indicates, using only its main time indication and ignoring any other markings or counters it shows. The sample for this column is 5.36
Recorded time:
5.02
